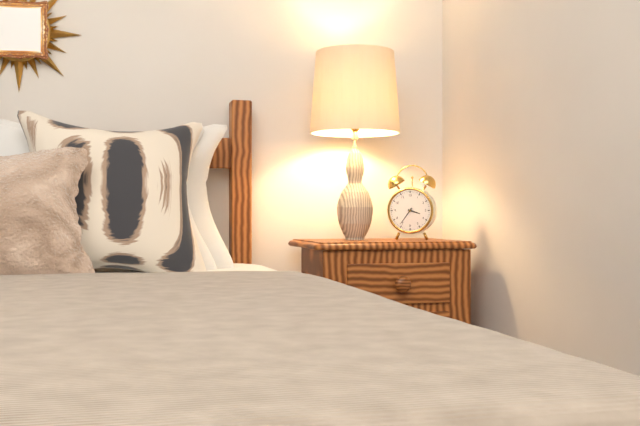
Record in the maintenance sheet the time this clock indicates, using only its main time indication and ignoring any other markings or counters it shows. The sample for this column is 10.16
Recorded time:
3.36
